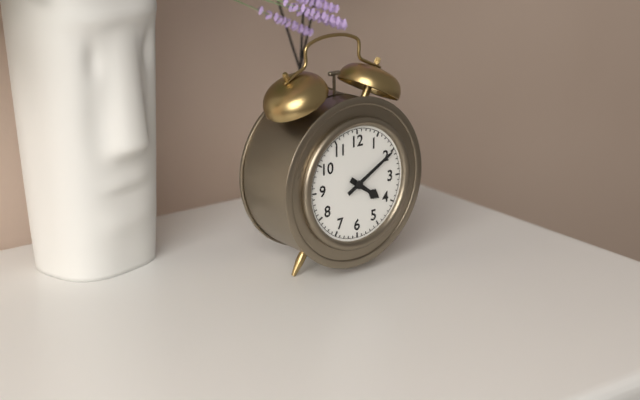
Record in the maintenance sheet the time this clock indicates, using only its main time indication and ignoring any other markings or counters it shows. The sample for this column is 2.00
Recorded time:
4.10
